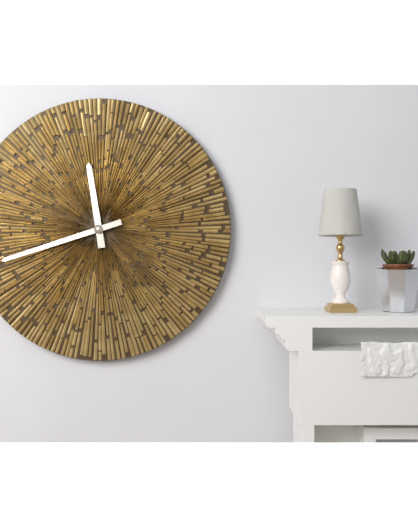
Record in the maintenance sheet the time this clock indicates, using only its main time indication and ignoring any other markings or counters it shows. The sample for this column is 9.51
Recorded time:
11.42
